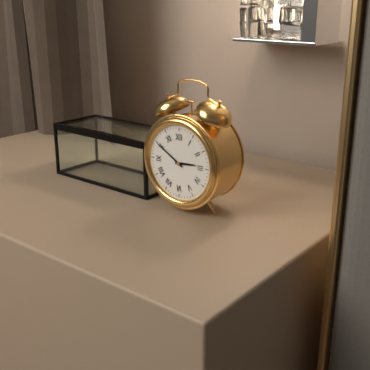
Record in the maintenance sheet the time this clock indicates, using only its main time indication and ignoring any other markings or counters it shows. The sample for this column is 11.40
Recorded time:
2.50
